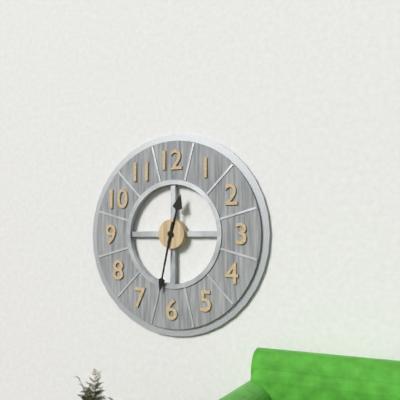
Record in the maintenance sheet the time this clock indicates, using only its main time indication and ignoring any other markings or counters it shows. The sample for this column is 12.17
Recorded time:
12.32
